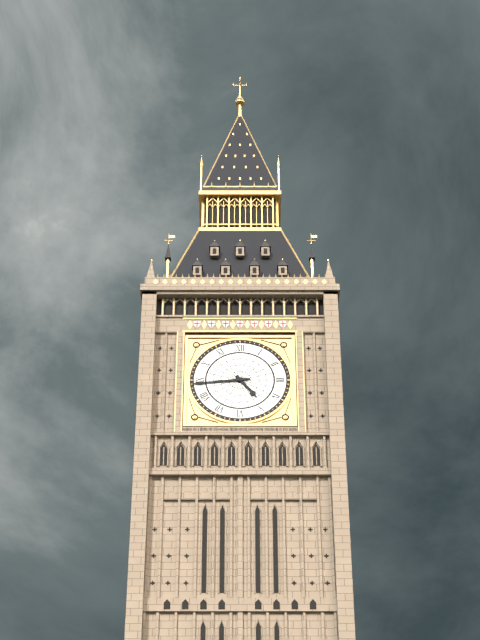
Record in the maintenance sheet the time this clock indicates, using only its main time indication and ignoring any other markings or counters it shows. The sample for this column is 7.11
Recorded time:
4.44
